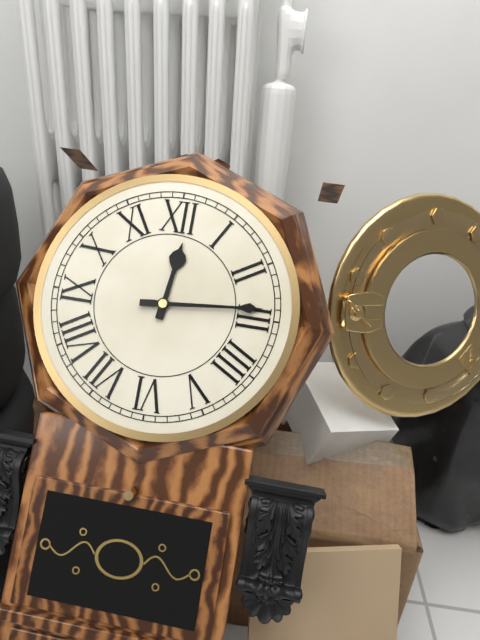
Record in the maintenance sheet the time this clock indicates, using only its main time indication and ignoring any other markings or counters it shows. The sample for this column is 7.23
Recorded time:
12.14
